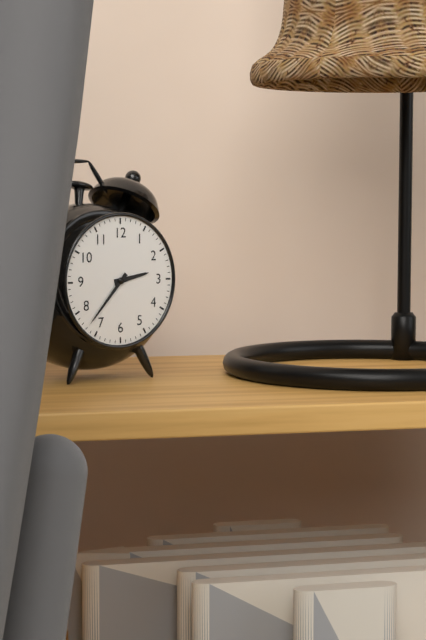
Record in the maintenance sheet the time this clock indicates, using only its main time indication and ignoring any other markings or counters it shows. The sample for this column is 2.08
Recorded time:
2.37
